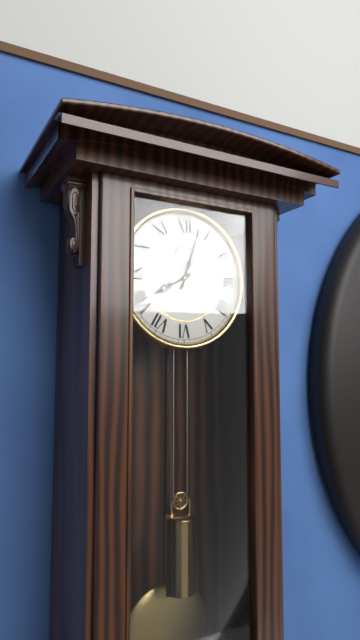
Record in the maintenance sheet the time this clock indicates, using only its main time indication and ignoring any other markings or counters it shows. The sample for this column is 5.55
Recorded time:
8.03
